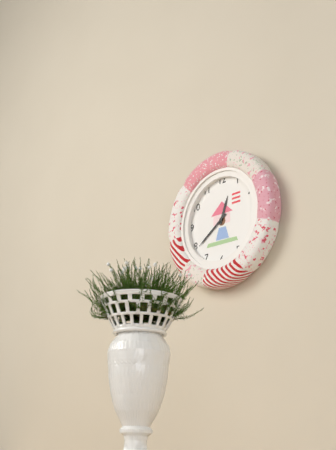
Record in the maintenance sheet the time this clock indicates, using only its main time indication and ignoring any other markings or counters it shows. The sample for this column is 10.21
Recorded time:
12.39
